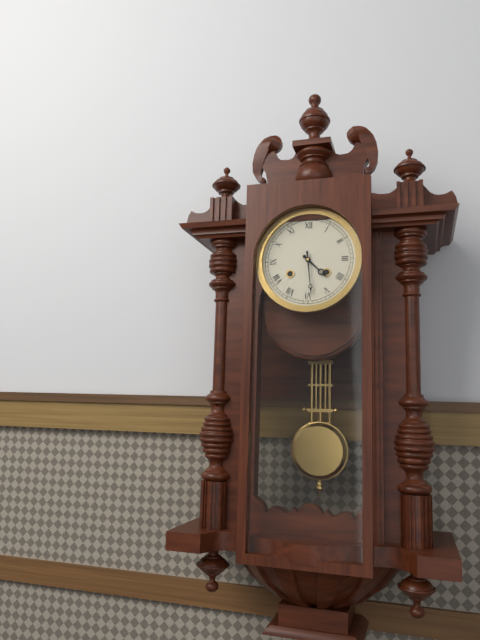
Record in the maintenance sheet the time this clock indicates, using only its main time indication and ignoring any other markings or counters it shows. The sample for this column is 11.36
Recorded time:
4.29
